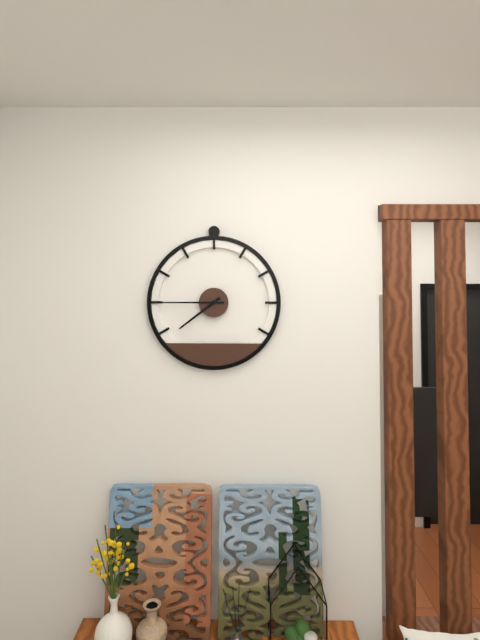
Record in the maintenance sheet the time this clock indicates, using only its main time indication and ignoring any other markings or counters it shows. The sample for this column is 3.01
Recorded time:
7.45
